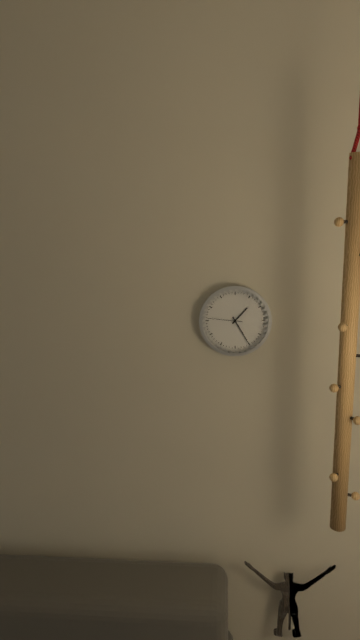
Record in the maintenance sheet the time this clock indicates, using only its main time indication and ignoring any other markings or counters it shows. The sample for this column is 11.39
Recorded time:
1.25
